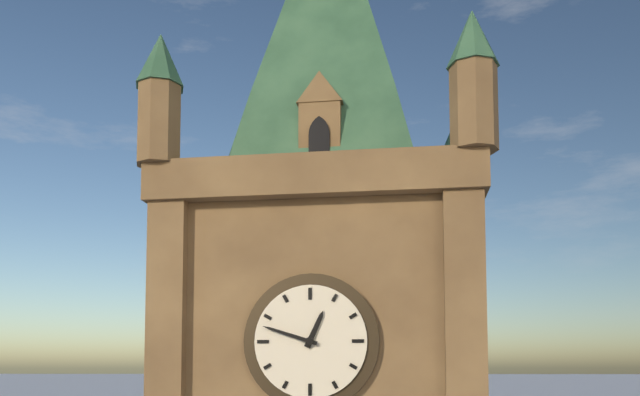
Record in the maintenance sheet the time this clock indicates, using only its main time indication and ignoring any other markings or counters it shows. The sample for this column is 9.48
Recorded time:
12.48
